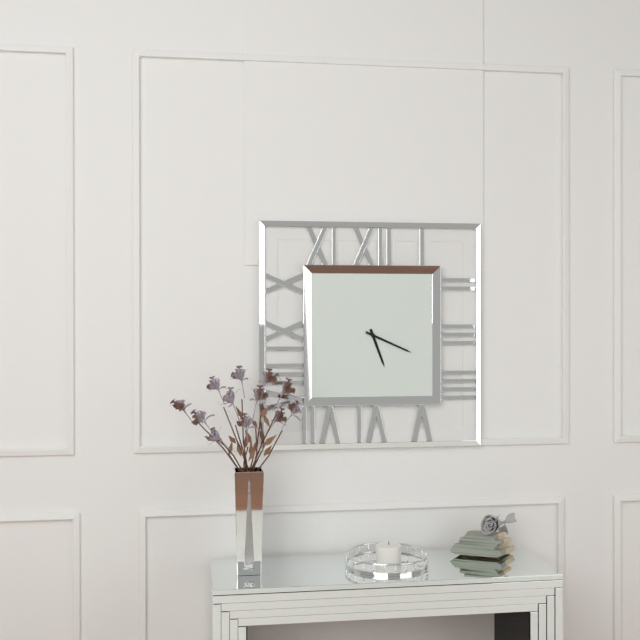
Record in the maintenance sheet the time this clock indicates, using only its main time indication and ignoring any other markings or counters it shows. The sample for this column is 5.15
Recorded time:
5.19
